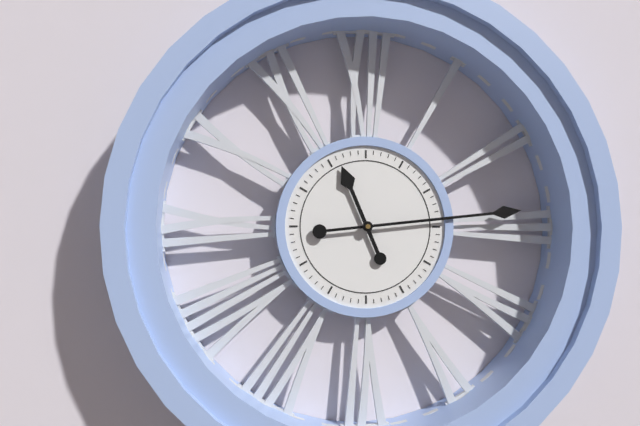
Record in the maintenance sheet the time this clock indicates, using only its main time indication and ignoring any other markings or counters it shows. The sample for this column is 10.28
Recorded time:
11.14
